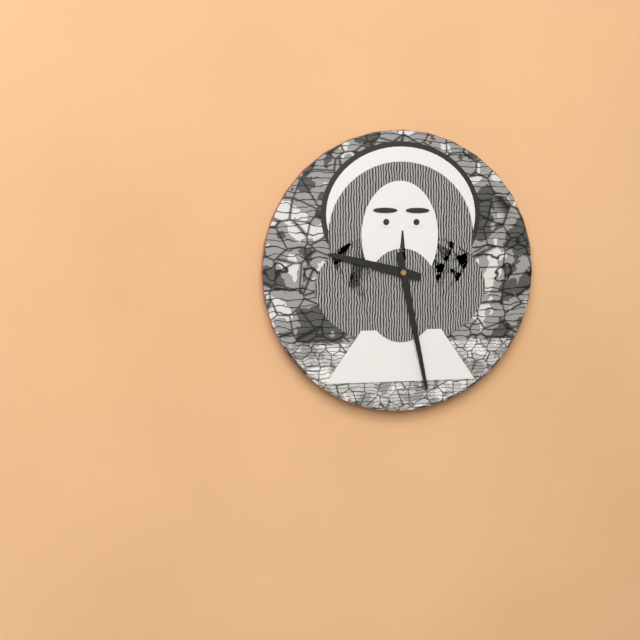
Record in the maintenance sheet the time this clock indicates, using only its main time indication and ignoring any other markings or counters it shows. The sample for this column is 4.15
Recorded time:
9.28
